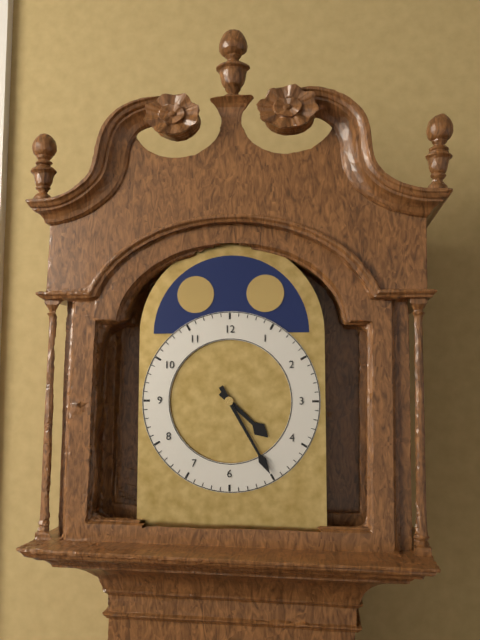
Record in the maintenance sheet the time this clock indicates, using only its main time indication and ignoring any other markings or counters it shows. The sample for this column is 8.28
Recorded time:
4.25
